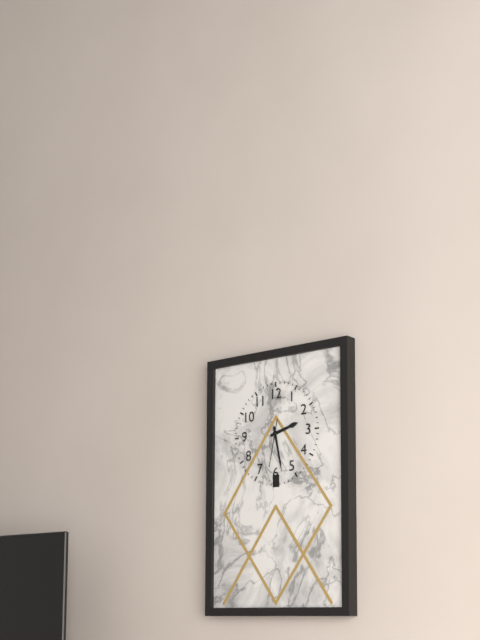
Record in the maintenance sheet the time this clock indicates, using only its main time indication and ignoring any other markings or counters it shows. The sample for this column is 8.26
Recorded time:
2.28
